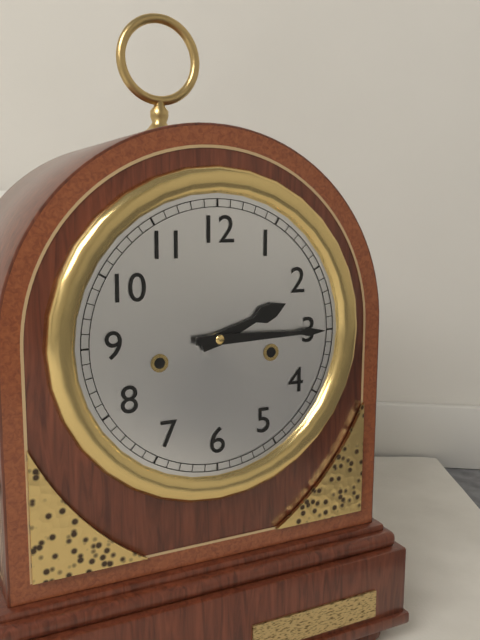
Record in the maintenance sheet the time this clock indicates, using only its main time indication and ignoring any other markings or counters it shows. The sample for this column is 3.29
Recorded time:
2.15
